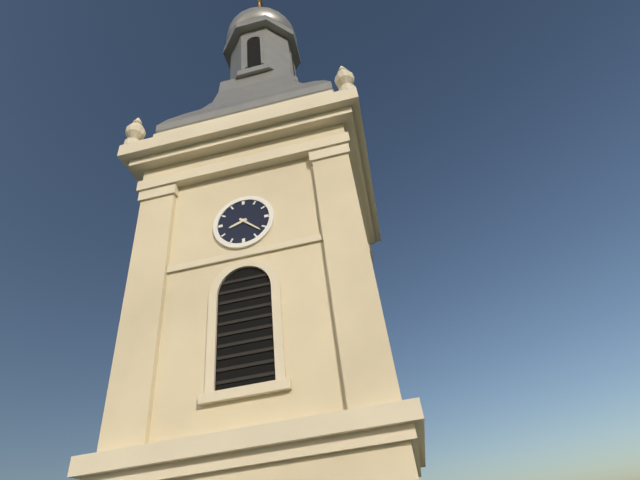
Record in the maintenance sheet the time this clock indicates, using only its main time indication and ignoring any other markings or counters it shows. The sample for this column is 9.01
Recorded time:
8.22
